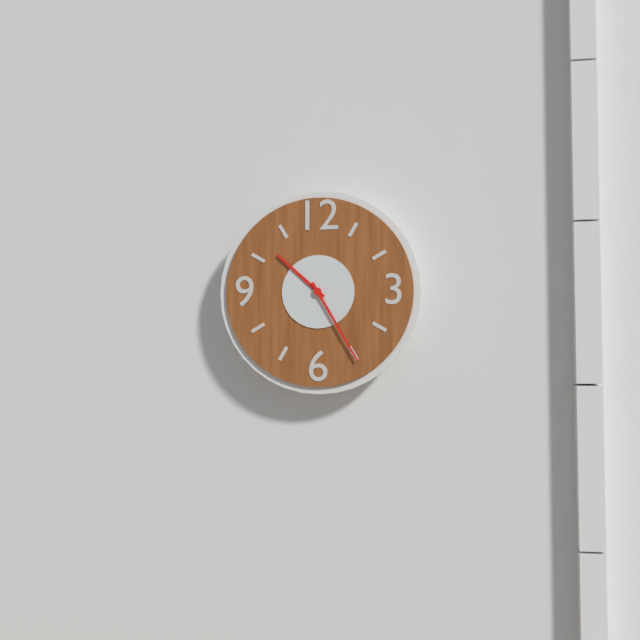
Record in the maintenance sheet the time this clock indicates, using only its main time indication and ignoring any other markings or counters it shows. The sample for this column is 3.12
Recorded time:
10.25
